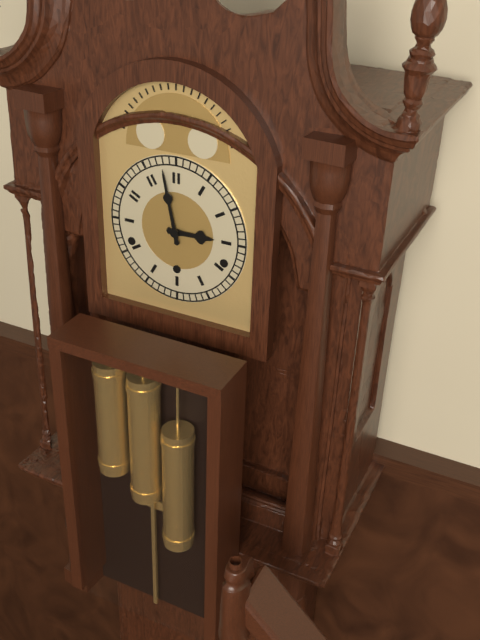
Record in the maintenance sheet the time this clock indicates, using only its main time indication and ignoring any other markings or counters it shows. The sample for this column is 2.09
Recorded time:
2.58
